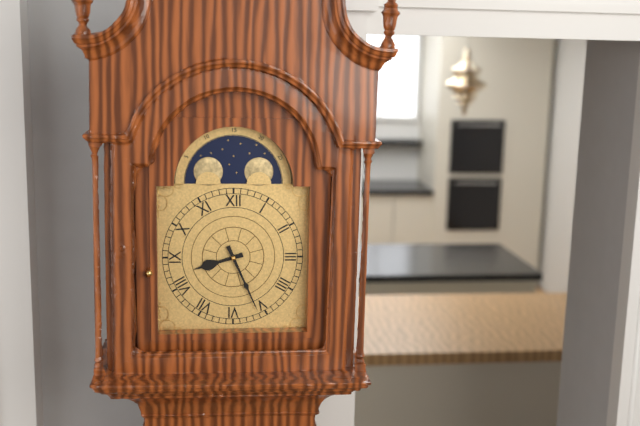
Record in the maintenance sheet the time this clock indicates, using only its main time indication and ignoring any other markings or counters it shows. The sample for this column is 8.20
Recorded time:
8.26
